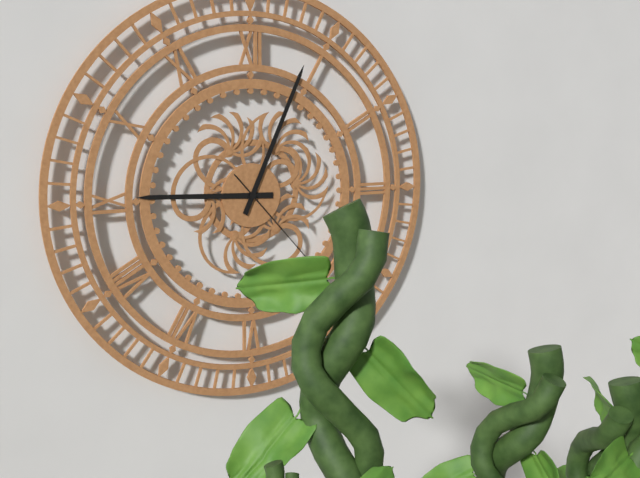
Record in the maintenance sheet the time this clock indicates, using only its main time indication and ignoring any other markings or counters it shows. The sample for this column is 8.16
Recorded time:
9.04
